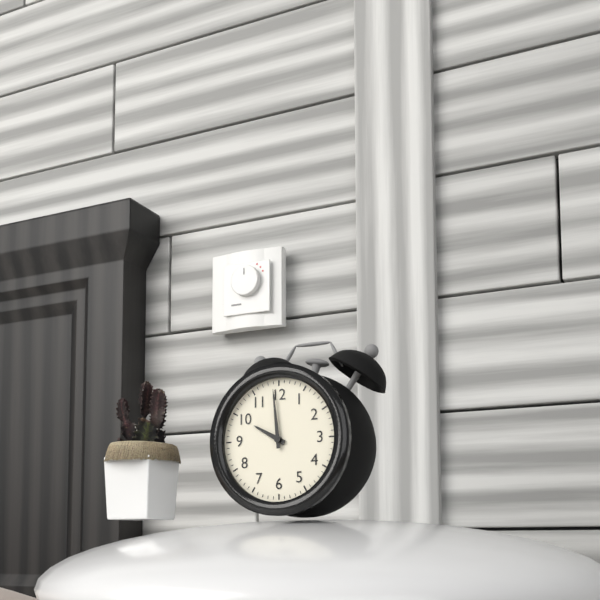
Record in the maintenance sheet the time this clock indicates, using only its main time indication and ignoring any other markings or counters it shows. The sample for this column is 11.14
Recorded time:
9.59
